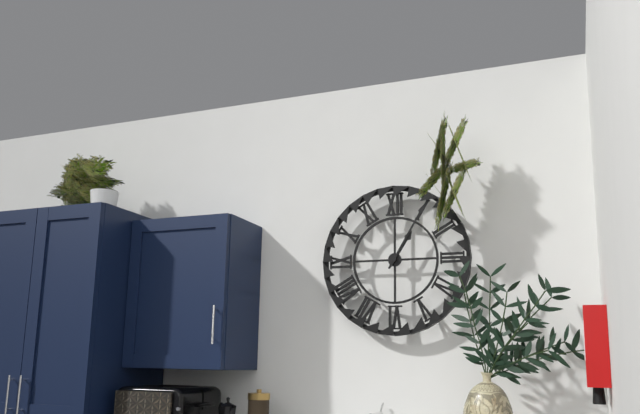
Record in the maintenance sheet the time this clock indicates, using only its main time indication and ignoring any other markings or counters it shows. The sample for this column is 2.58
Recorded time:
1.05
